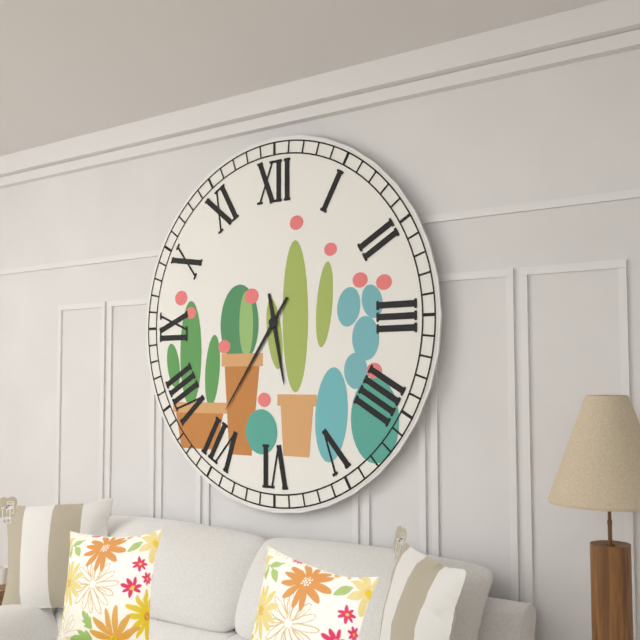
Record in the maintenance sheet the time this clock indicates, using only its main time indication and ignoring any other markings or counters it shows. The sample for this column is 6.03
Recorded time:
5.36
